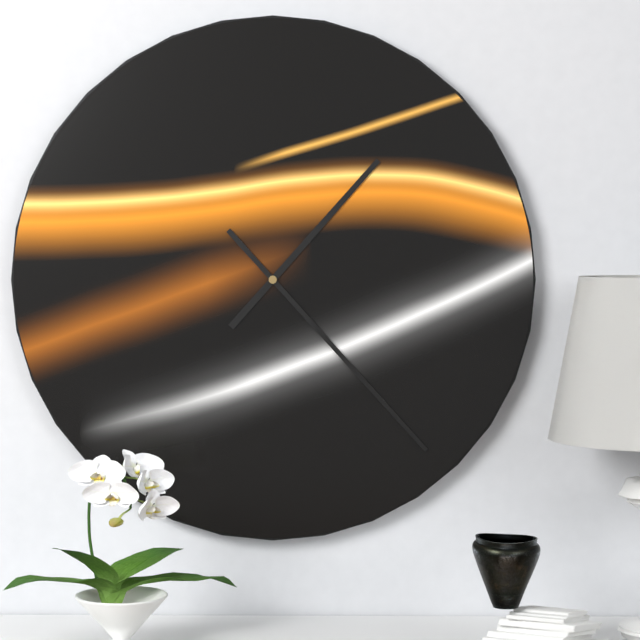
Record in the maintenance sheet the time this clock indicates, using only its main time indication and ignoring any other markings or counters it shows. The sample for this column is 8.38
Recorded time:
1.23
